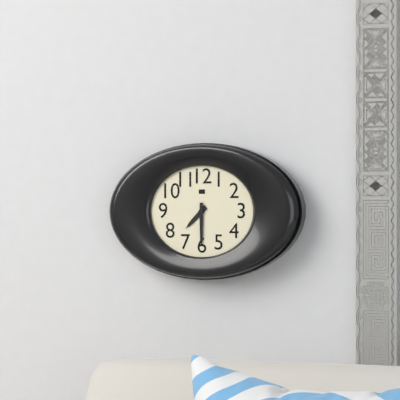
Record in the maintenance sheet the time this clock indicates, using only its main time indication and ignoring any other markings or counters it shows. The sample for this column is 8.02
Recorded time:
7.30
